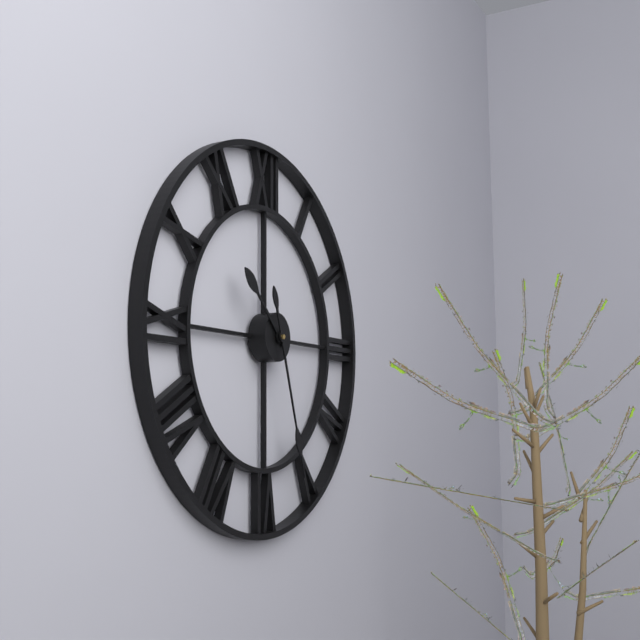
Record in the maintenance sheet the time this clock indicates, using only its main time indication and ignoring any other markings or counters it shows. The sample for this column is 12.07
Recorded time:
10.27
